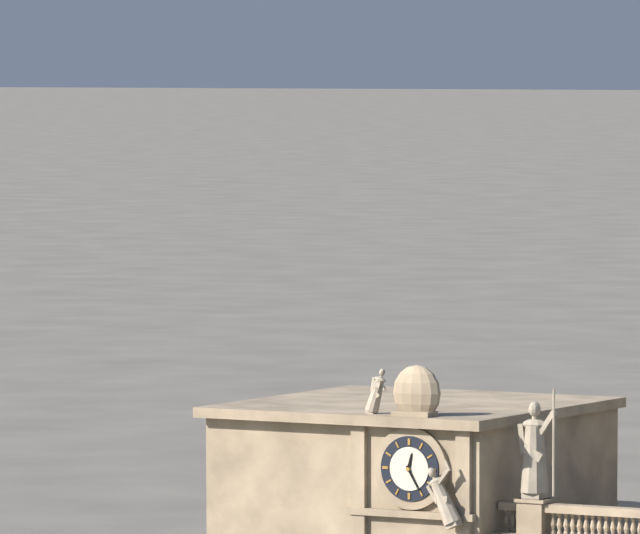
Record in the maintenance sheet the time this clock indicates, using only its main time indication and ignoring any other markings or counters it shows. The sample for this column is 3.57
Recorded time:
12.25
